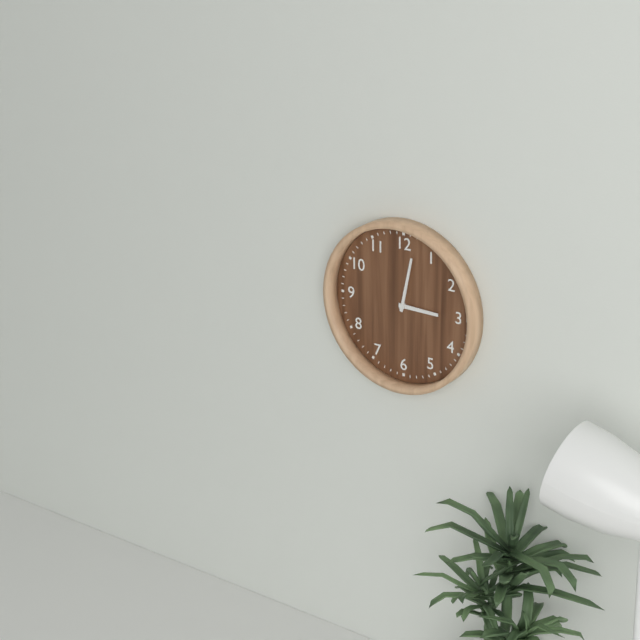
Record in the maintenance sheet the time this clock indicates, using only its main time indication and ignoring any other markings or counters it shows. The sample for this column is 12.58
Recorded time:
3.02
